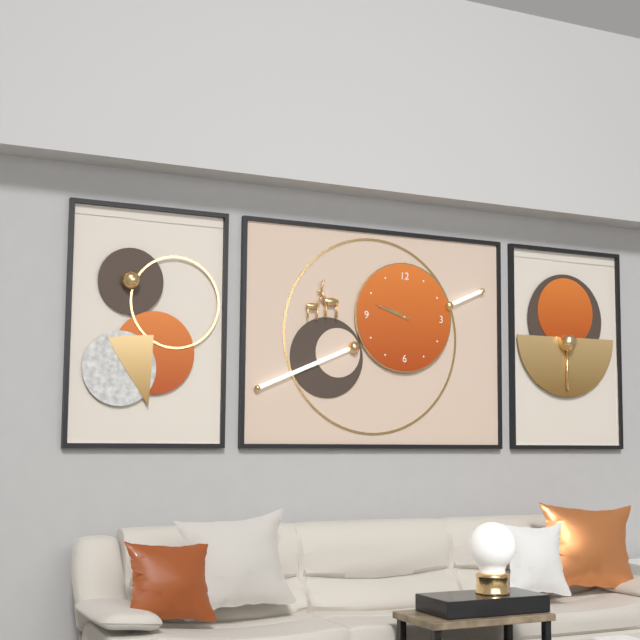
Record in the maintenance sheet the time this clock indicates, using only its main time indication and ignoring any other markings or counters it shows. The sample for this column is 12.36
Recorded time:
9.48
